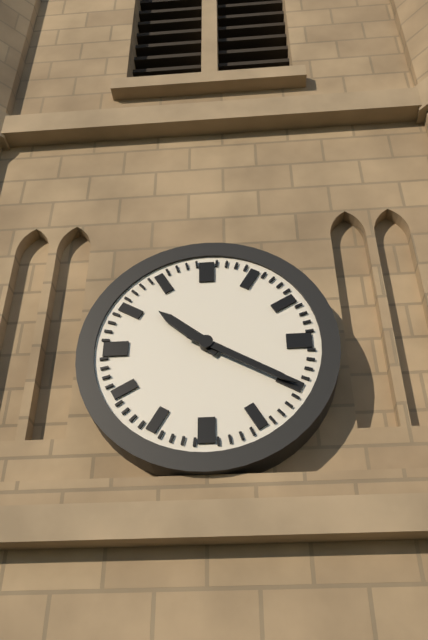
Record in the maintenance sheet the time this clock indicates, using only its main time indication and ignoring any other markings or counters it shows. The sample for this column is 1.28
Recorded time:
10.20
